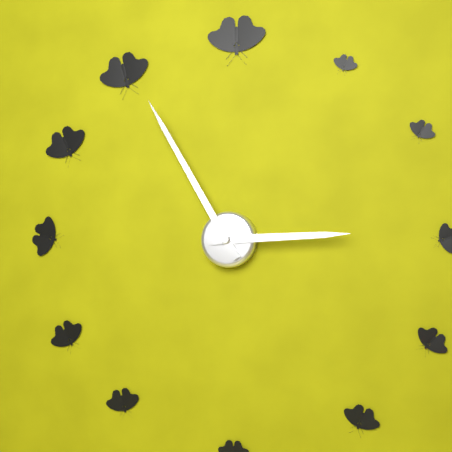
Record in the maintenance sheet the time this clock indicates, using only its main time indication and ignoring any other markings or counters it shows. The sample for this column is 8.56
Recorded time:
2.55
